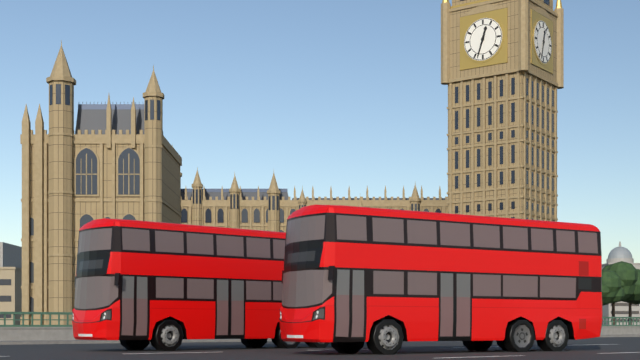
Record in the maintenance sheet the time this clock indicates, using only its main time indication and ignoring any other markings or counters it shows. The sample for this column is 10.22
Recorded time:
12.33
